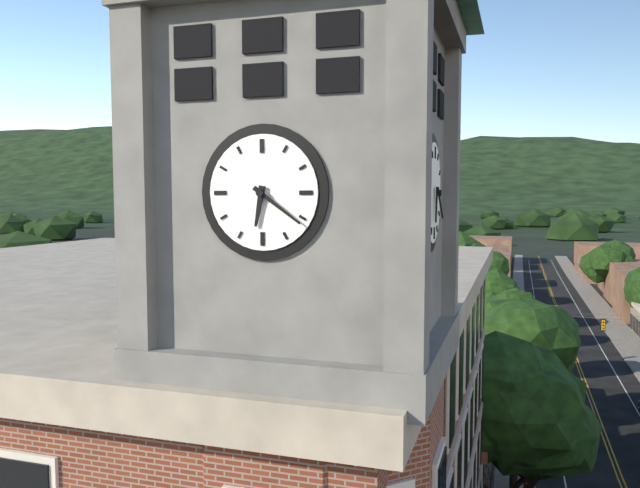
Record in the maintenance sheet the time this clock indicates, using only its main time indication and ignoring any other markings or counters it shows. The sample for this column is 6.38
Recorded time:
6.21
